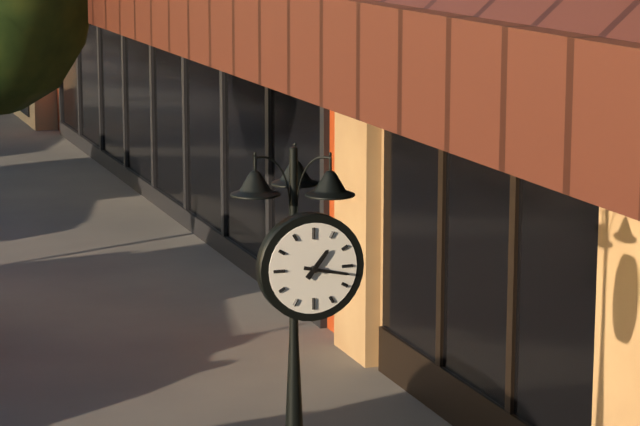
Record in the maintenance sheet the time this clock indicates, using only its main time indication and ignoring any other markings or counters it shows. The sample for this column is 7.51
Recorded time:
1.17
